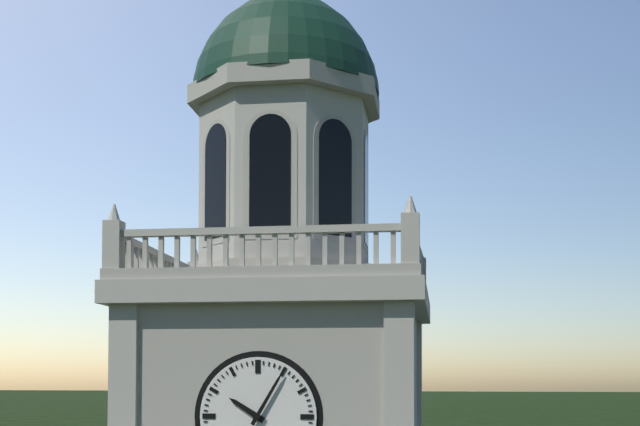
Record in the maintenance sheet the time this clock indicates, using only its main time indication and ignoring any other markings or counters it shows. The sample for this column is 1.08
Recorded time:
10.05
